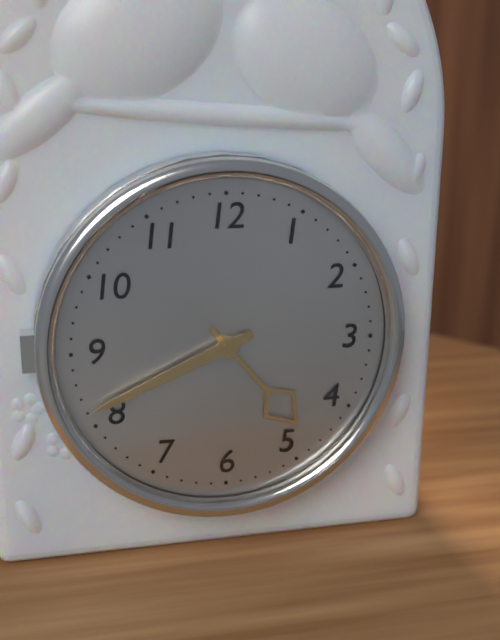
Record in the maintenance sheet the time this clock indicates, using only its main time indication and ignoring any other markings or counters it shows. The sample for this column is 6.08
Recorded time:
4.41
